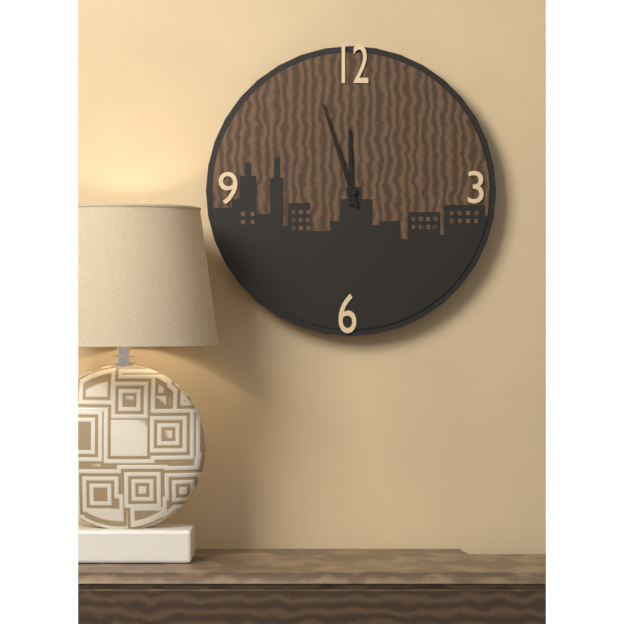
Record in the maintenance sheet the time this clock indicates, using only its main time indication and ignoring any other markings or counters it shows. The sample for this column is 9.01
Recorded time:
11.57
